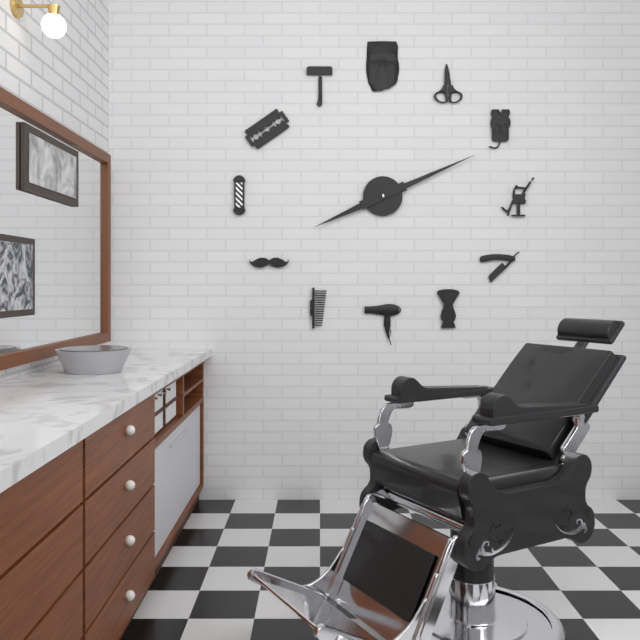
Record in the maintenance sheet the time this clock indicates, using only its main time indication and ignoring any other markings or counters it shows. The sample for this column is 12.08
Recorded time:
8.11
